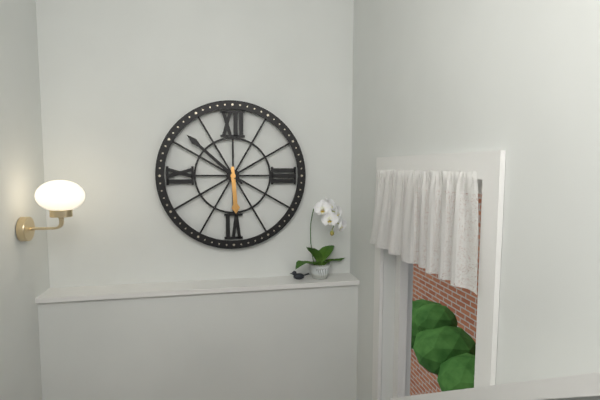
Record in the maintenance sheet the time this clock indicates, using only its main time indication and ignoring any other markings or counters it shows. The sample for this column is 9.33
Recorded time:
5.52
